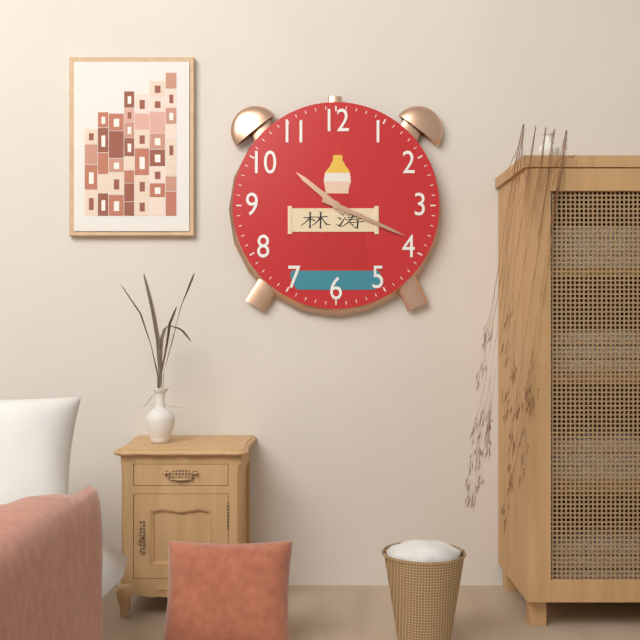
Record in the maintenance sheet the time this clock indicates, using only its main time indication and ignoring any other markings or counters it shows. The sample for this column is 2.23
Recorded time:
10.19
